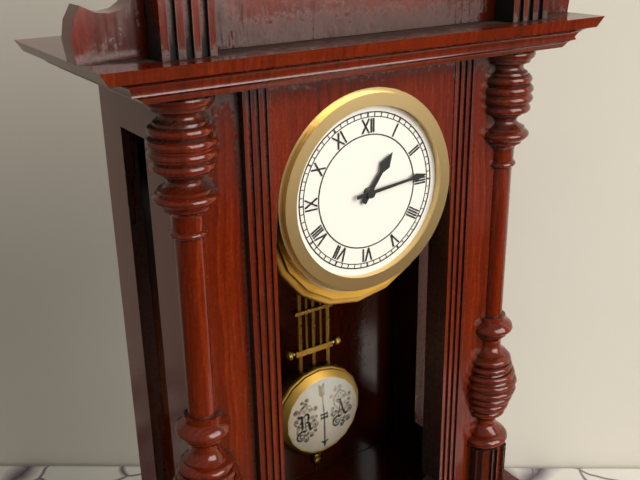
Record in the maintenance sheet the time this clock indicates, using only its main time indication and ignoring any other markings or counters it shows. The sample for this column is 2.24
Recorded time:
1.14
